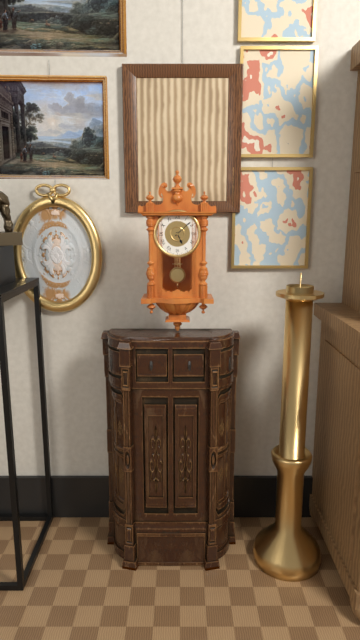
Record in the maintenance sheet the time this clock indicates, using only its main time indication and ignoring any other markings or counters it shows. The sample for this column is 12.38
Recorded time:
5.08
